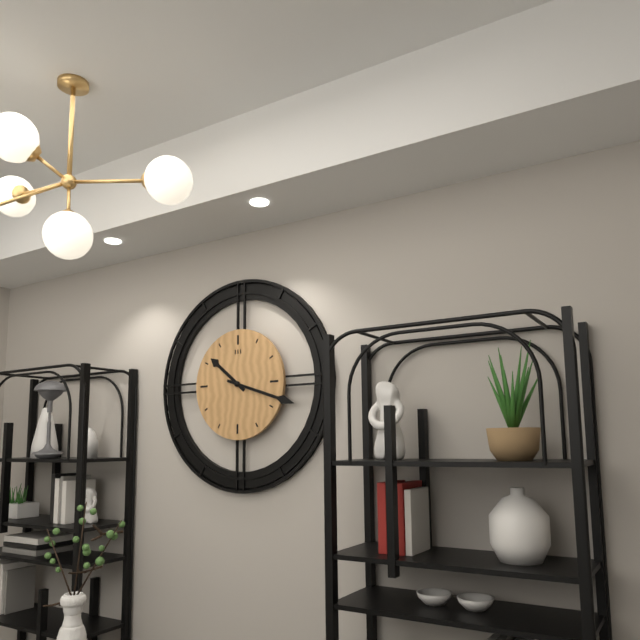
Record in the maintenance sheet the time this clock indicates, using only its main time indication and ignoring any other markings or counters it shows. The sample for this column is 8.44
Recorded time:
10.18
